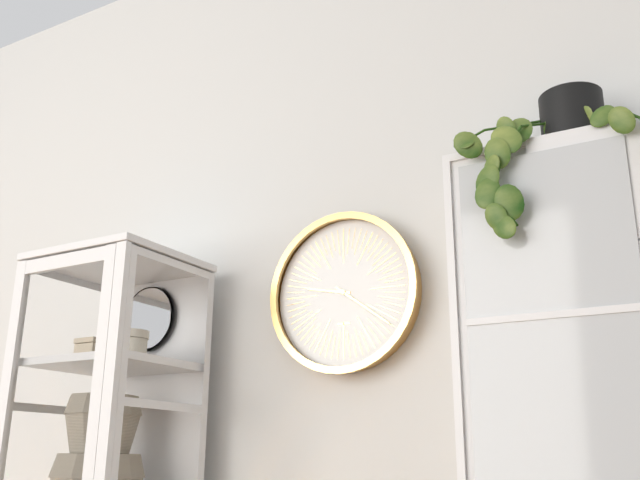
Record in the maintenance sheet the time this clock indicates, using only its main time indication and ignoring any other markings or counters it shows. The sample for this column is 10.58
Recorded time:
9.21
